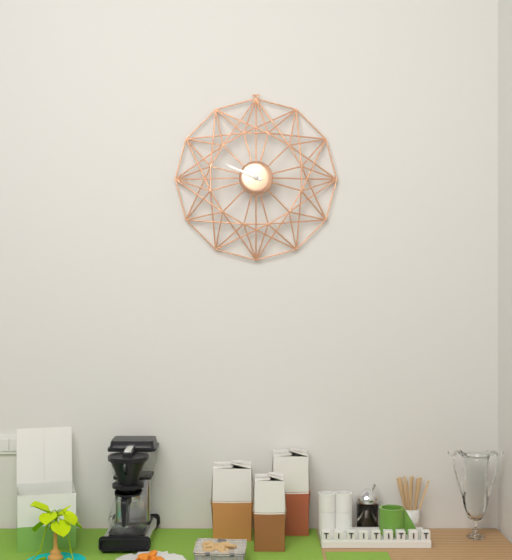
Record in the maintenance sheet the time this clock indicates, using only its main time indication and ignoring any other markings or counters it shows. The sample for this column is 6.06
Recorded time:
9.49
